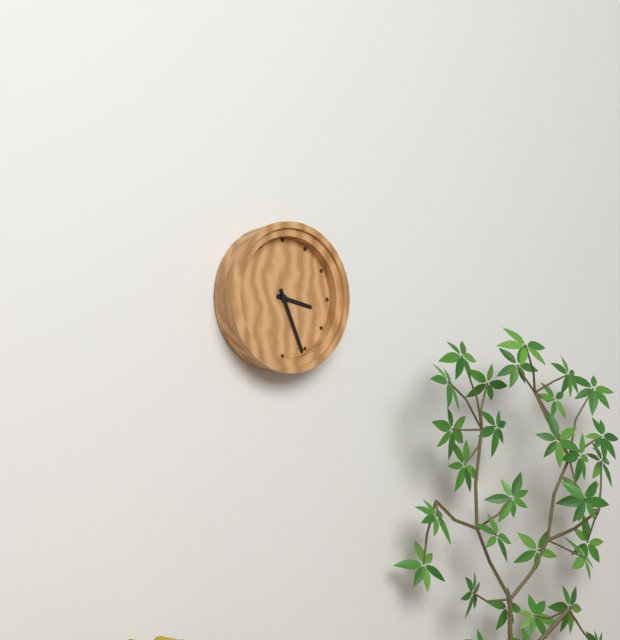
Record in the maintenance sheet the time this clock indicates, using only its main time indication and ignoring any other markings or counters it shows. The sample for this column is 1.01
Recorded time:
3.26
